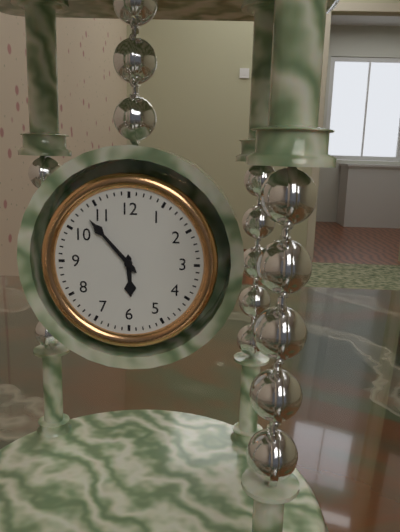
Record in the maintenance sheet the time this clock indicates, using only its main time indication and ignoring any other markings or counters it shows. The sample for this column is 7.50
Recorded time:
5.53
